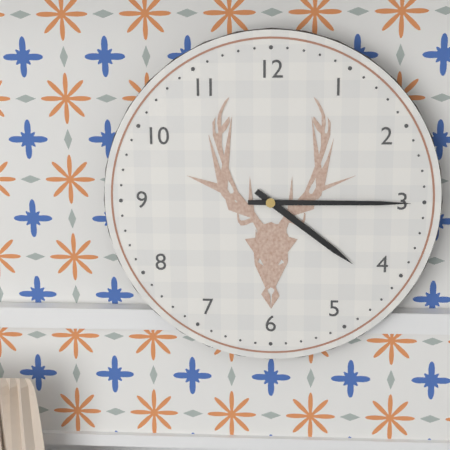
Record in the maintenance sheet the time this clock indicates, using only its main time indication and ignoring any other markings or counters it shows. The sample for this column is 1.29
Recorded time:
4.15
